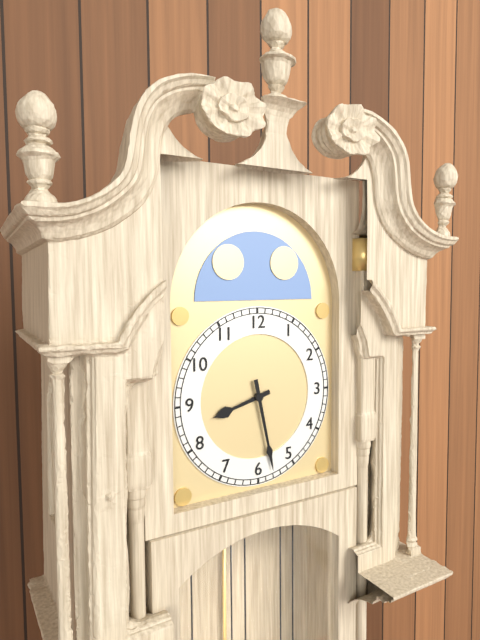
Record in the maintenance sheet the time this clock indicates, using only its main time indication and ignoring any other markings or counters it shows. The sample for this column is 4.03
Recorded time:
8.28
